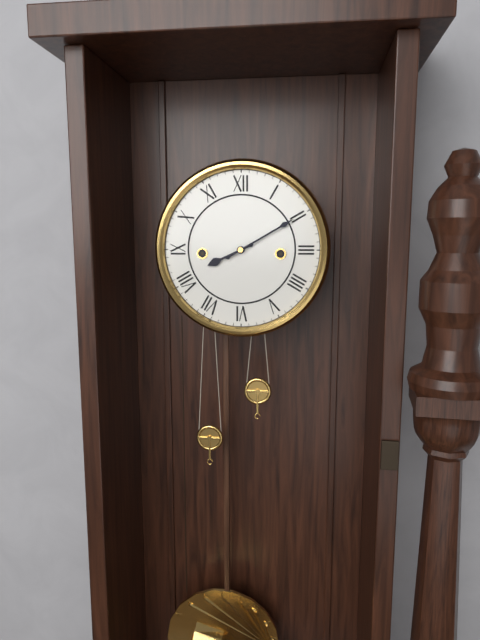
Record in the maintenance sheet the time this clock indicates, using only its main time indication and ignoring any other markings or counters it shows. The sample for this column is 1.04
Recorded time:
8.10
